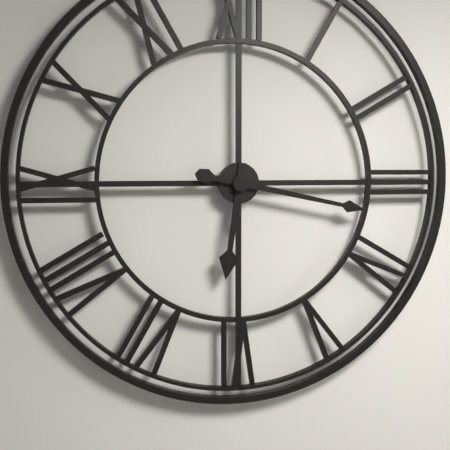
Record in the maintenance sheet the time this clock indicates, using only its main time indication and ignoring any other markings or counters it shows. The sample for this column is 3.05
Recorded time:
6.17
